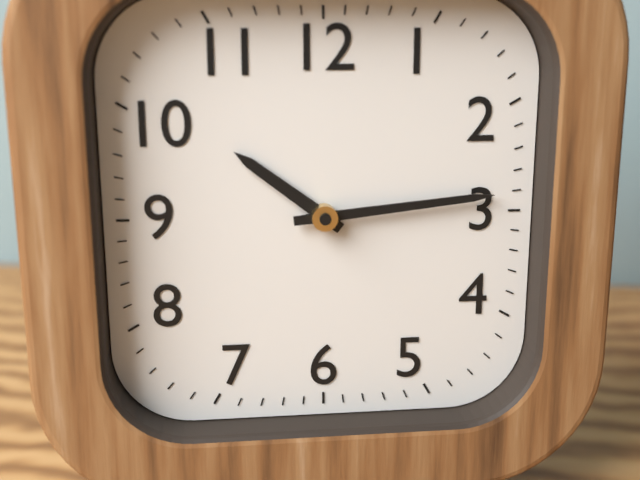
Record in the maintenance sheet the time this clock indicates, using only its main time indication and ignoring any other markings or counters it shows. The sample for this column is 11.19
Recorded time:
10.14
